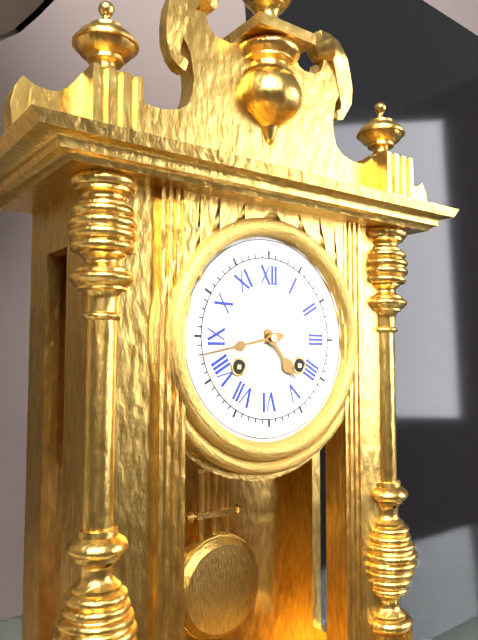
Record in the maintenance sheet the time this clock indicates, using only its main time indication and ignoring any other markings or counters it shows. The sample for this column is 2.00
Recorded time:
4.43
